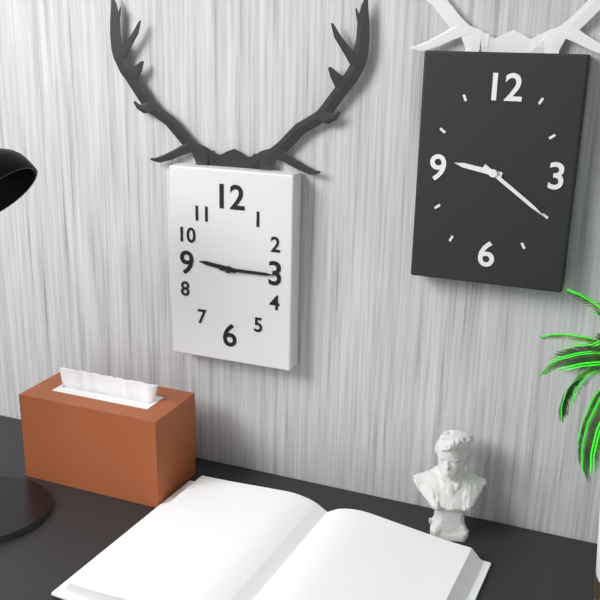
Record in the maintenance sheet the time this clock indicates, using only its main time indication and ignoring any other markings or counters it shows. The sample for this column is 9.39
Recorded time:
9.15
